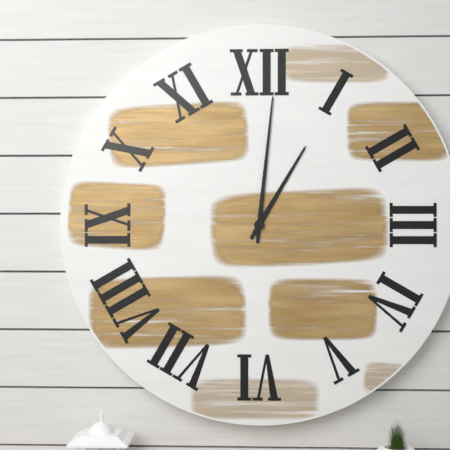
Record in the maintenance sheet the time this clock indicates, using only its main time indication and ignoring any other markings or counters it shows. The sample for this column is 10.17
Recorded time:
1.01
